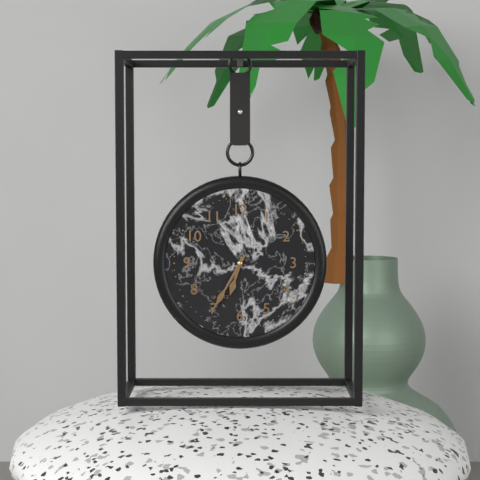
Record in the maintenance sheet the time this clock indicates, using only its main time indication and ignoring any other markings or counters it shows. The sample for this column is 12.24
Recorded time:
6.35
